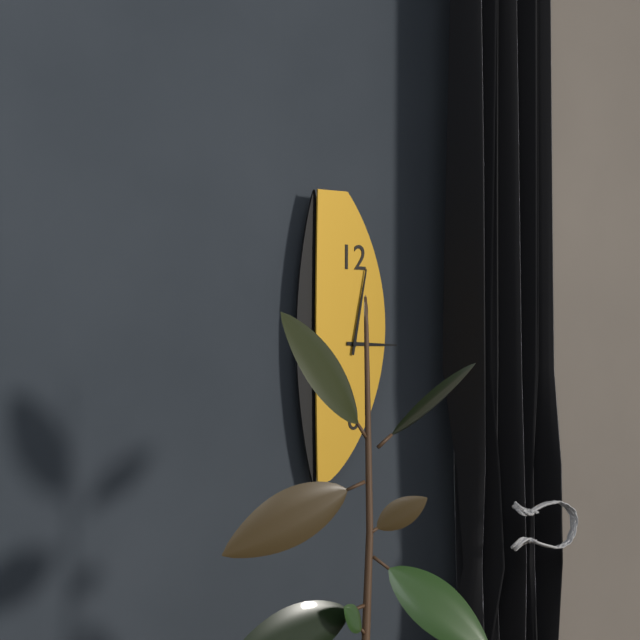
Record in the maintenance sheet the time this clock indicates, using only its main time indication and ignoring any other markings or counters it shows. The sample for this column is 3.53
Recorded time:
3.02
